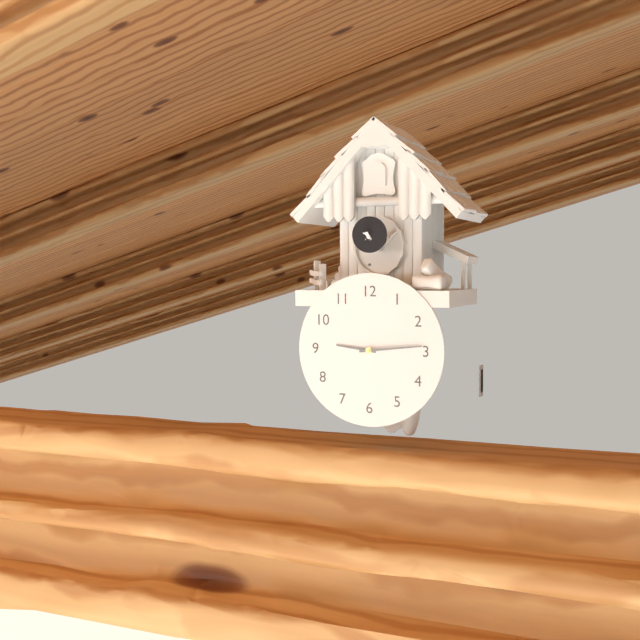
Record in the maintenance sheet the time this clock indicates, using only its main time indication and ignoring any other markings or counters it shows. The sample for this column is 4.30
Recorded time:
9.14
